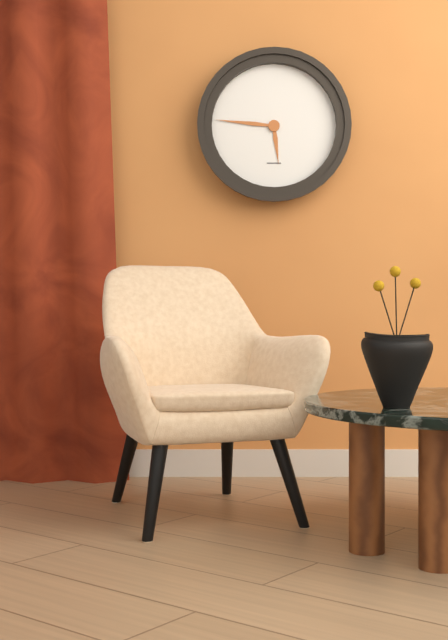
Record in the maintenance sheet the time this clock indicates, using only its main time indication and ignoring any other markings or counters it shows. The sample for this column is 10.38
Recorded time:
5.46
